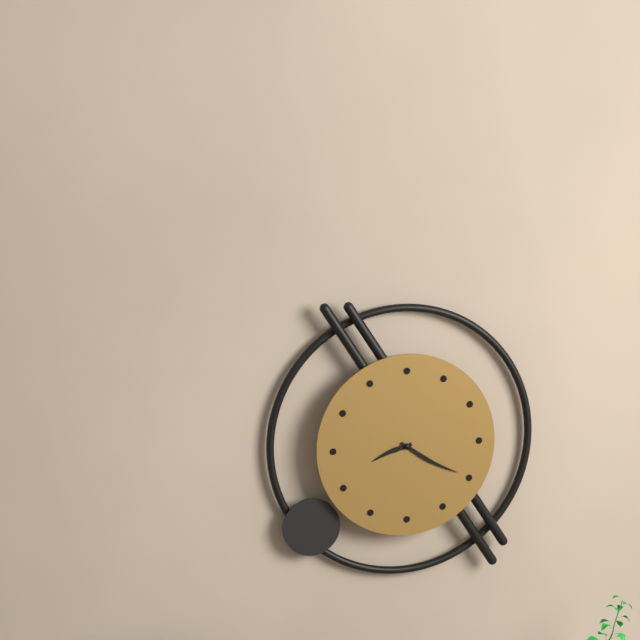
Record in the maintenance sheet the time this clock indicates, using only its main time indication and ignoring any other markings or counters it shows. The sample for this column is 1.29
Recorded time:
8.20
